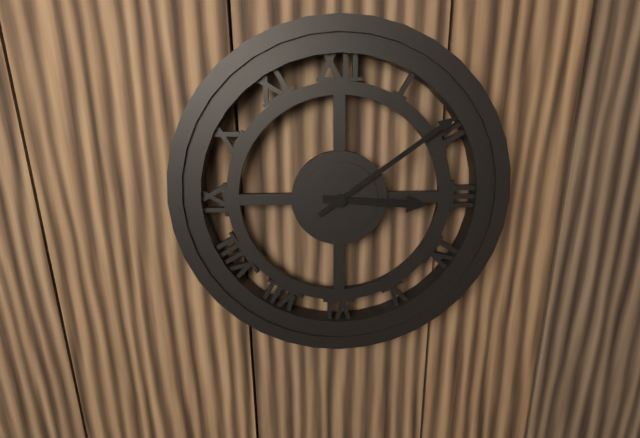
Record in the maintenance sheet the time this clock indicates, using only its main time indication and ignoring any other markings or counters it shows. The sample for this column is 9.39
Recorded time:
3.09
